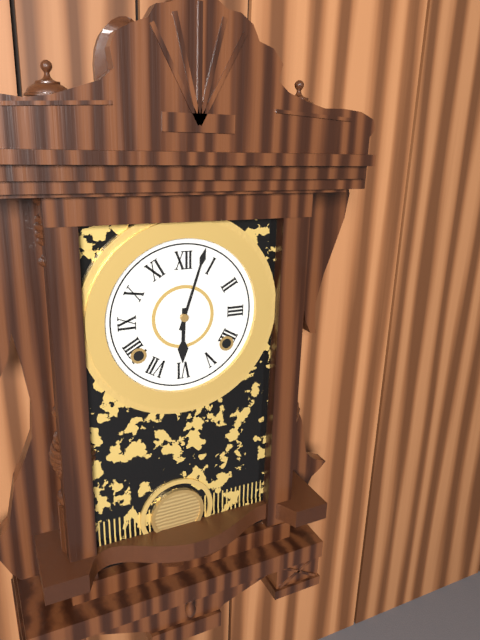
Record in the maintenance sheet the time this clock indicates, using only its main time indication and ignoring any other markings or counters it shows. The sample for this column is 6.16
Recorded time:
6.03
